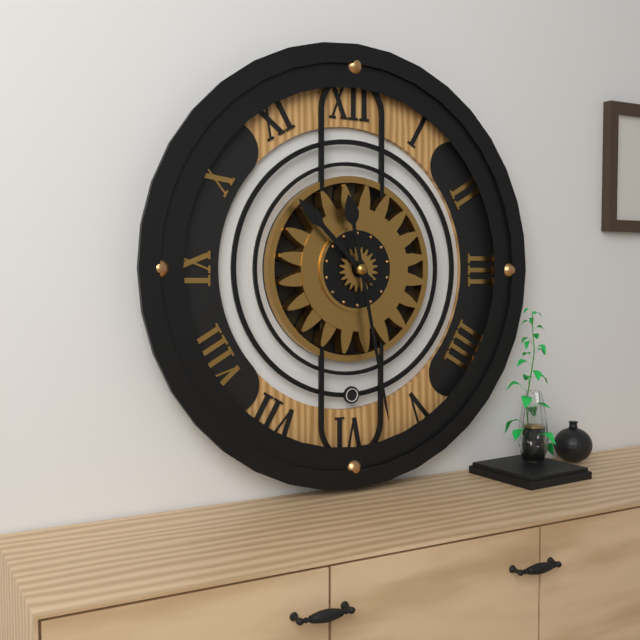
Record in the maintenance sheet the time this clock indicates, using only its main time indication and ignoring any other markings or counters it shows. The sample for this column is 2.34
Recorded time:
10.28
